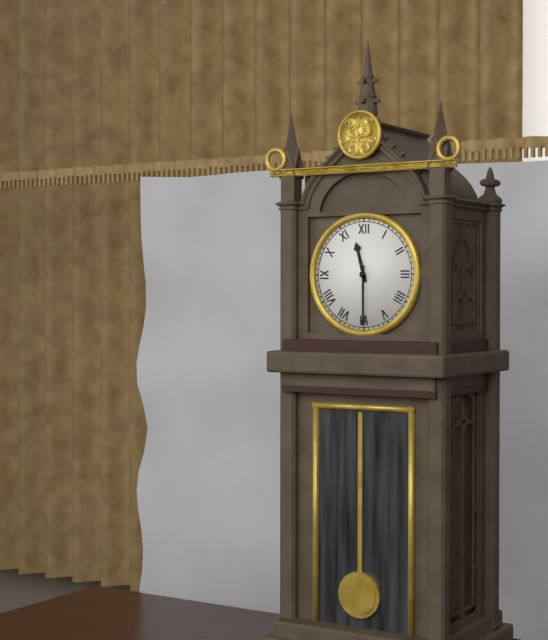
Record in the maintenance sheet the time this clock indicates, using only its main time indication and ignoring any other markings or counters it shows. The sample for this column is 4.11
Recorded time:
11.30
